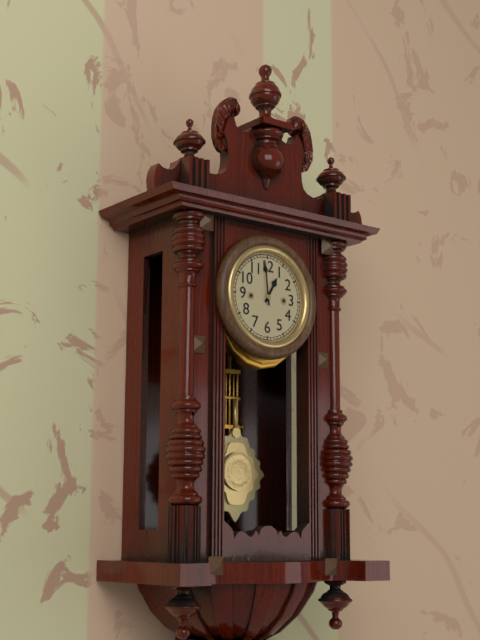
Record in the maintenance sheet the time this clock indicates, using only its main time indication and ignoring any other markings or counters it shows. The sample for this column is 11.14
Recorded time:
12.59
